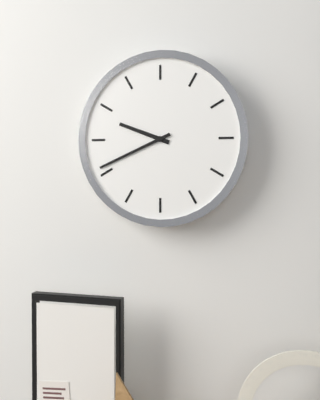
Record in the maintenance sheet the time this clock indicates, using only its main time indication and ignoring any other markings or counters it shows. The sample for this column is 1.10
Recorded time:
9.41
